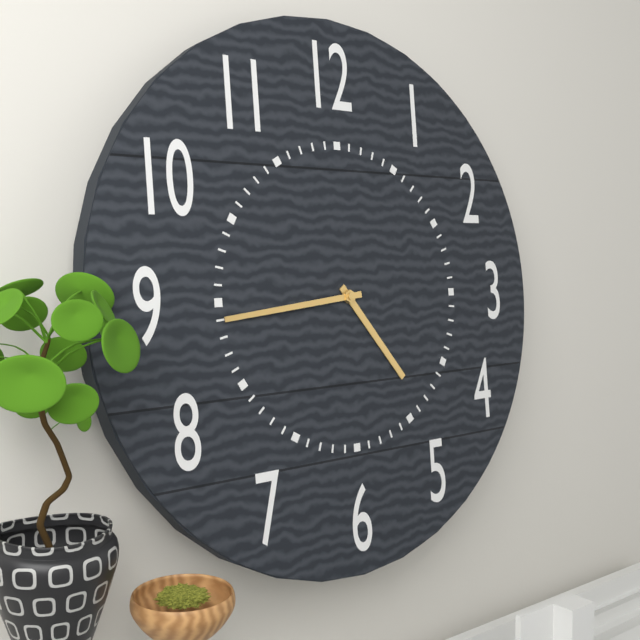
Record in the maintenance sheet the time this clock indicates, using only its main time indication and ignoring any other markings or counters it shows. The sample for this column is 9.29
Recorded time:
4.44
